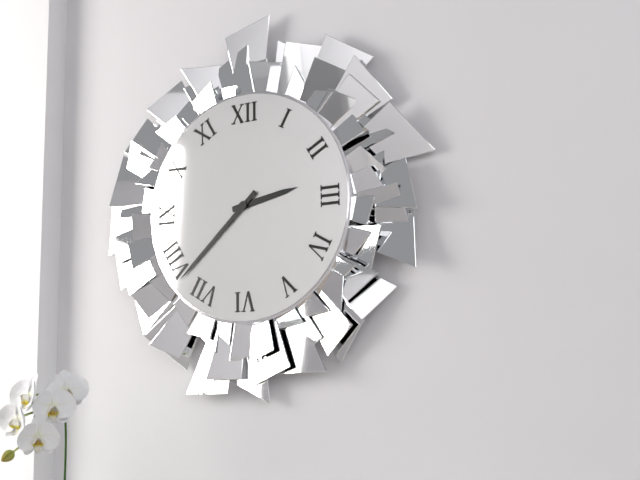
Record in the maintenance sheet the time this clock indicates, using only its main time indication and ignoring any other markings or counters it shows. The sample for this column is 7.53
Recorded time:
2.38
